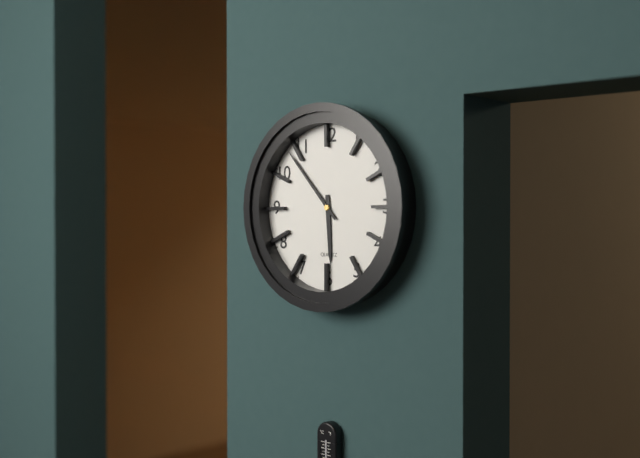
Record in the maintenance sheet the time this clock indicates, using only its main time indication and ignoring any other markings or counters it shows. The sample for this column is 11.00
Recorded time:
5.53
